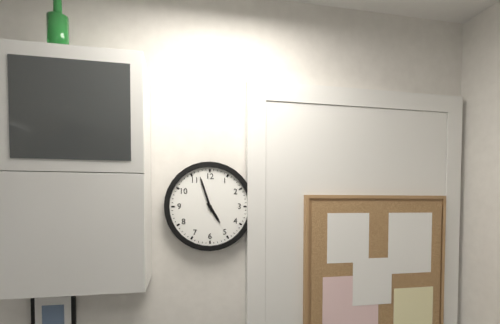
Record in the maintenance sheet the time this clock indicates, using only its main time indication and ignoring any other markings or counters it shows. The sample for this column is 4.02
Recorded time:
4.57
